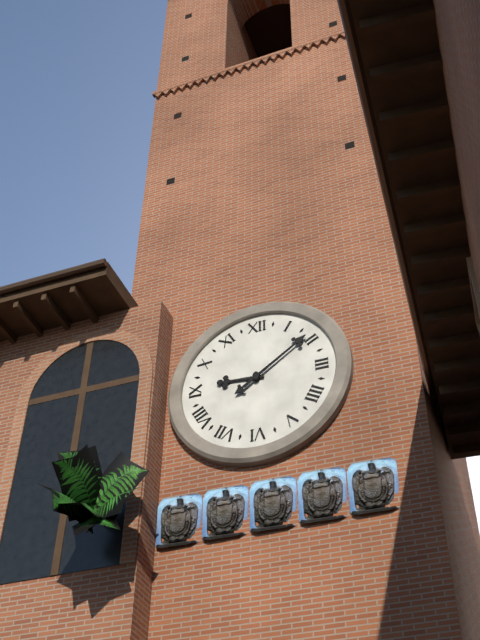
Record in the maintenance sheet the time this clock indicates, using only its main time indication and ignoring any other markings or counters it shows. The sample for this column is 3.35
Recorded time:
9.09
